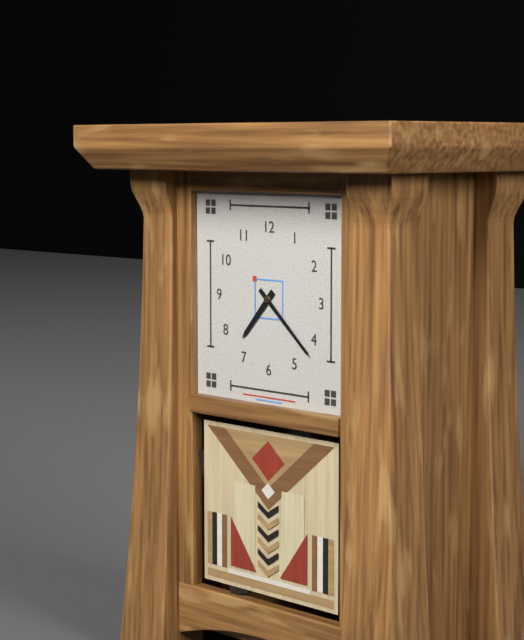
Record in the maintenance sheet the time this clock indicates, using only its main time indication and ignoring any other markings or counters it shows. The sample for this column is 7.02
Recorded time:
7.22
